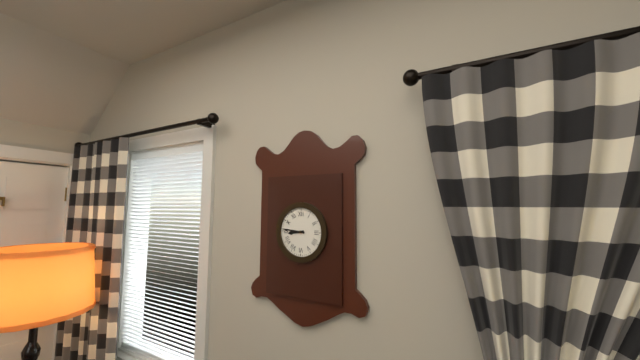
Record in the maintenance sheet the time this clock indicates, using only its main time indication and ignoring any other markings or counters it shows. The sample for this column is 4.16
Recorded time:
8.46
